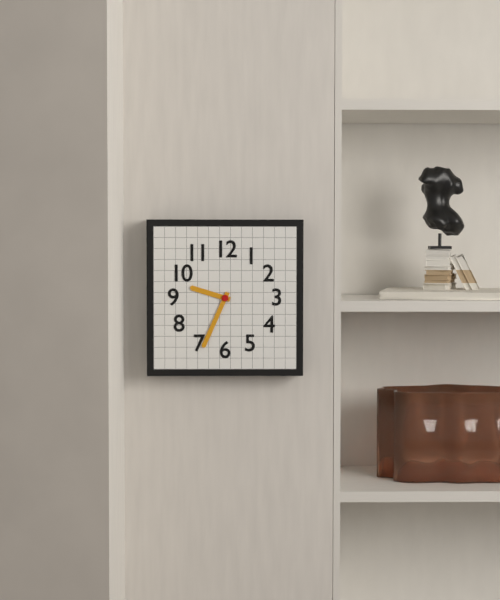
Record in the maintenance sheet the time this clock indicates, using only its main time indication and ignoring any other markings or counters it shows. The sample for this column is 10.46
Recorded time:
9.34
